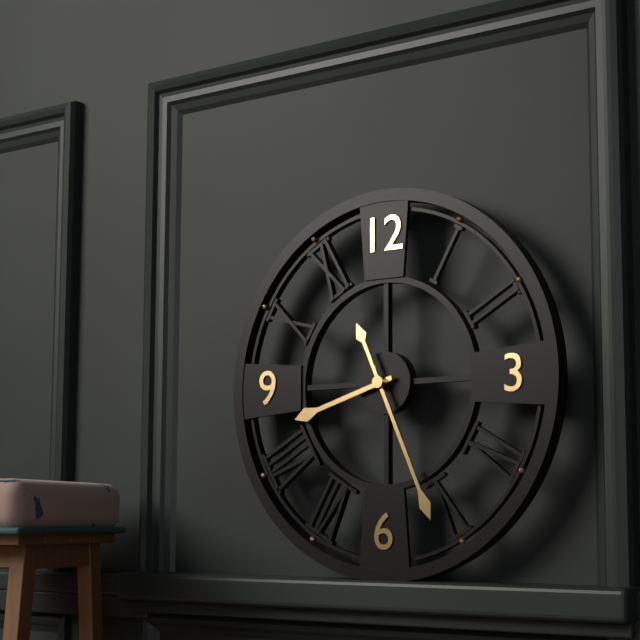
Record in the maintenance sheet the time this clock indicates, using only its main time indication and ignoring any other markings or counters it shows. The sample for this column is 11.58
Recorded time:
8.26
